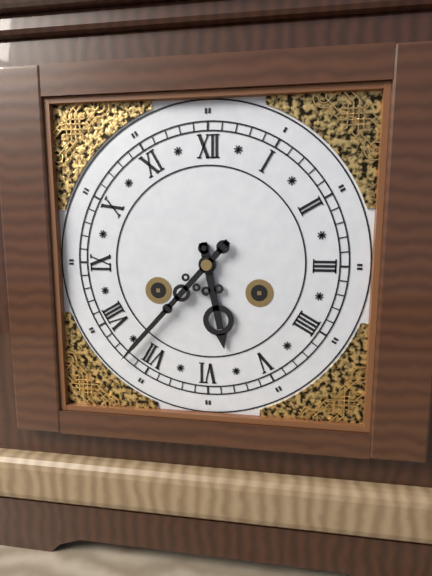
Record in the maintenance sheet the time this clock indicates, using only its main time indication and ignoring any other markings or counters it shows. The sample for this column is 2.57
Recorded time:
5.37
